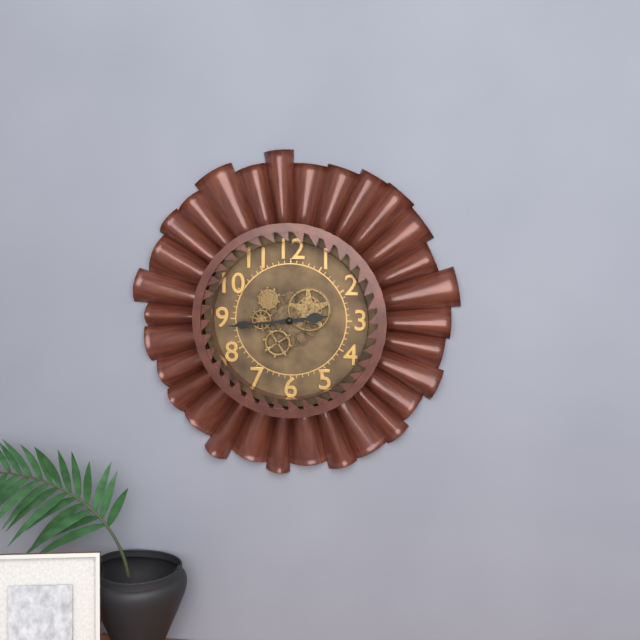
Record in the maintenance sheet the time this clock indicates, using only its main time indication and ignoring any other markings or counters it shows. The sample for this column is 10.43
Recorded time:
2.44
